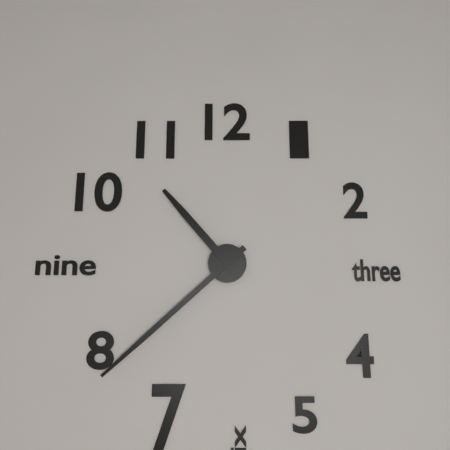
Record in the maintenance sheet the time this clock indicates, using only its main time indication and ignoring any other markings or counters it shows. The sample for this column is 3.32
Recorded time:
10.38
